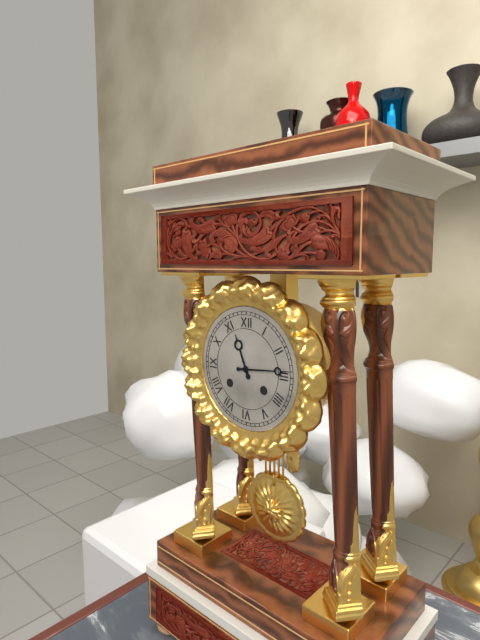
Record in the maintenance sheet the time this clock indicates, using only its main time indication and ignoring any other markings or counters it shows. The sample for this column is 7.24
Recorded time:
11.14
